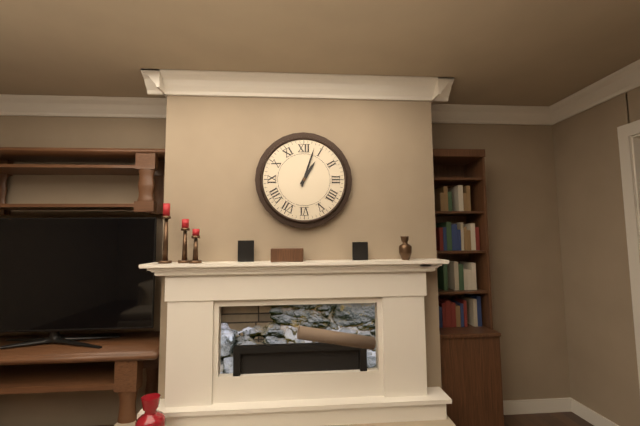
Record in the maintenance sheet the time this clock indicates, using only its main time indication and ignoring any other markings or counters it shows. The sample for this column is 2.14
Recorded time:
1.03
